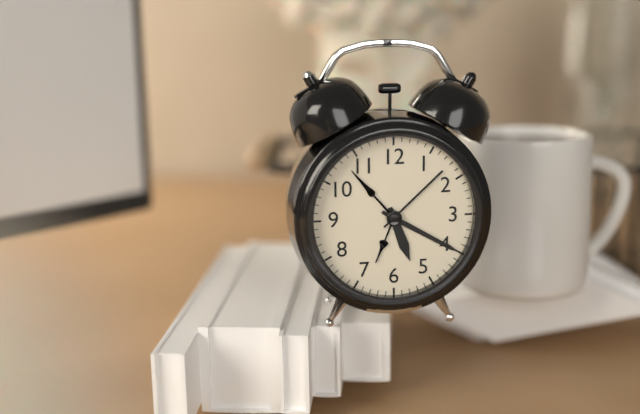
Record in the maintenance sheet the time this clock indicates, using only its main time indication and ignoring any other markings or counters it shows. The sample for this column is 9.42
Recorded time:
5.20
